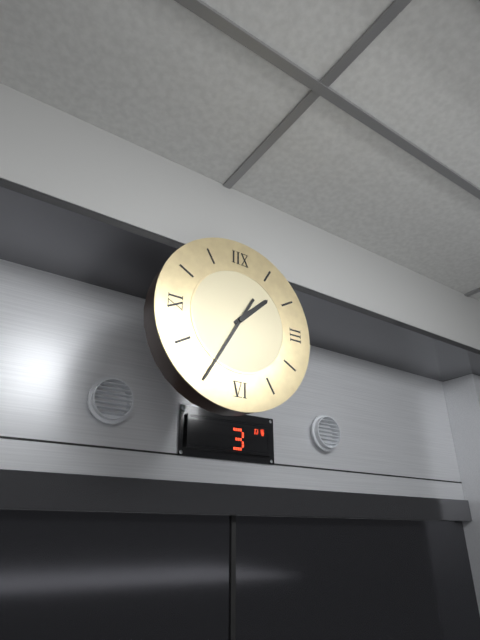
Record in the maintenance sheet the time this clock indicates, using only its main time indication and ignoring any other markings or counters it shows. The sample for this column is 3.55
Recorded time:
1.35
